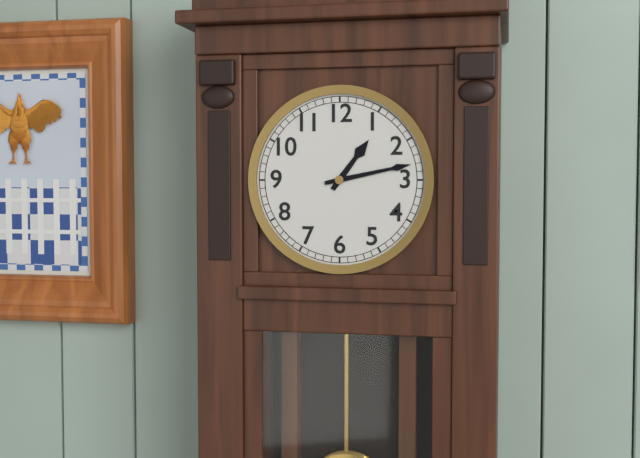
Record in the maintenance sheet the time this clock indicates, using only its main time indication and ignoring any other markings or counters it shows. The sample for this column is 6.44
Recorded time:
1.13
